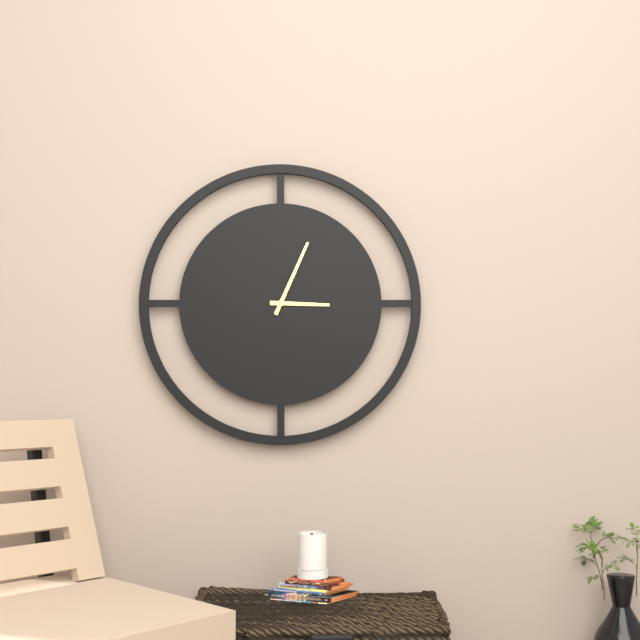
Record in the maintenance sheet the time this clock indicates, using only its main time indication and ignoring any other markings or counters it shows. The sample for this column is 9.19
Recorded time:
3.04
